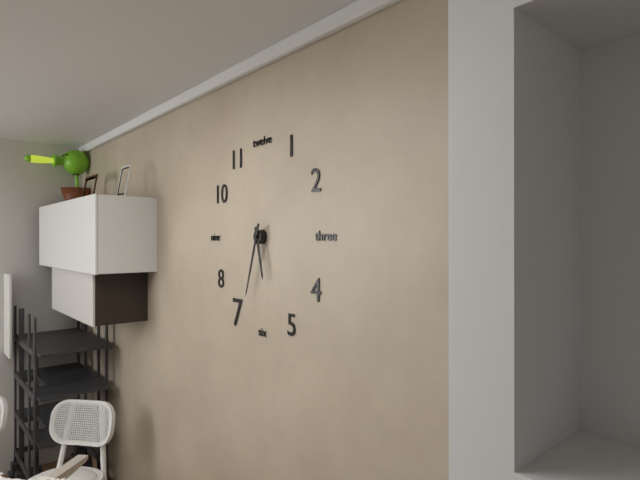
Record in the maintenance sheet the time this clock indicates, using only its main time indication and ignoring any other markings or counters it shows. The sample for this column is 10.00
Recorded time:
5.33
